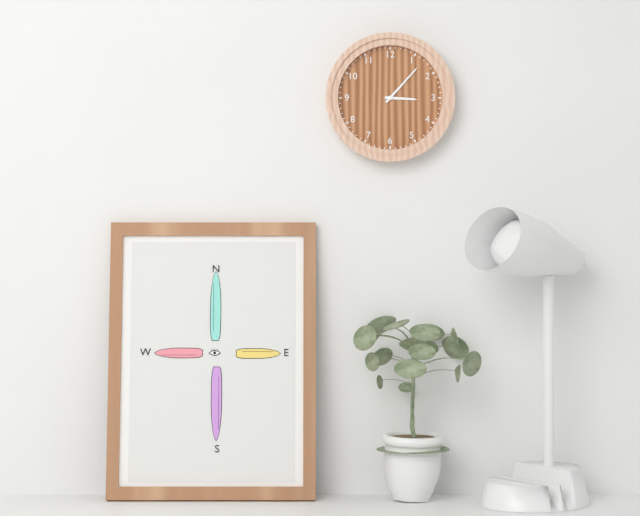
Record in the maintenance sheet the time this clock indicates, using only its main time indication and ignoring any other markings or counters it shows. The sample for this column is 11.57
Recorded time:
3.07
